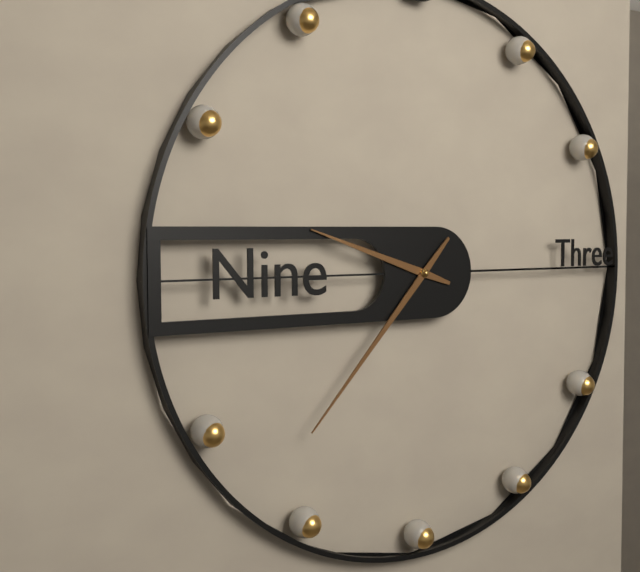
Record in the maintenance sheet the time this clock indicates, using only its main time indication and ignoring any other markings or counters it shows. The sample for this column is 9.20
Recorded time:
9.37
